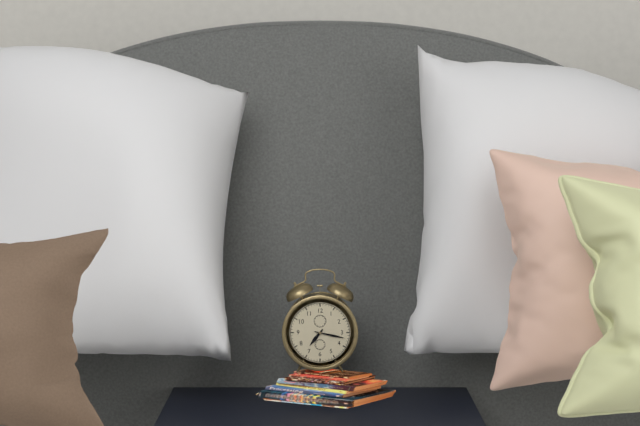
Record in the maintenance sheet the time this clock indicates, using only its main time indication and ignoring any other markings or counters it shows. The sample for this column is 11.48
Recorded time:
7.17
